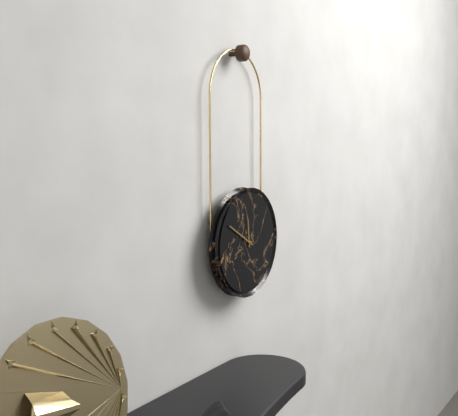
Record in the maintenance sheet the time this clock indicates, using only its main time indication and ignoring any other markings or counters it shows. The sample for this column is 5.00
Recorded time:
11.50
